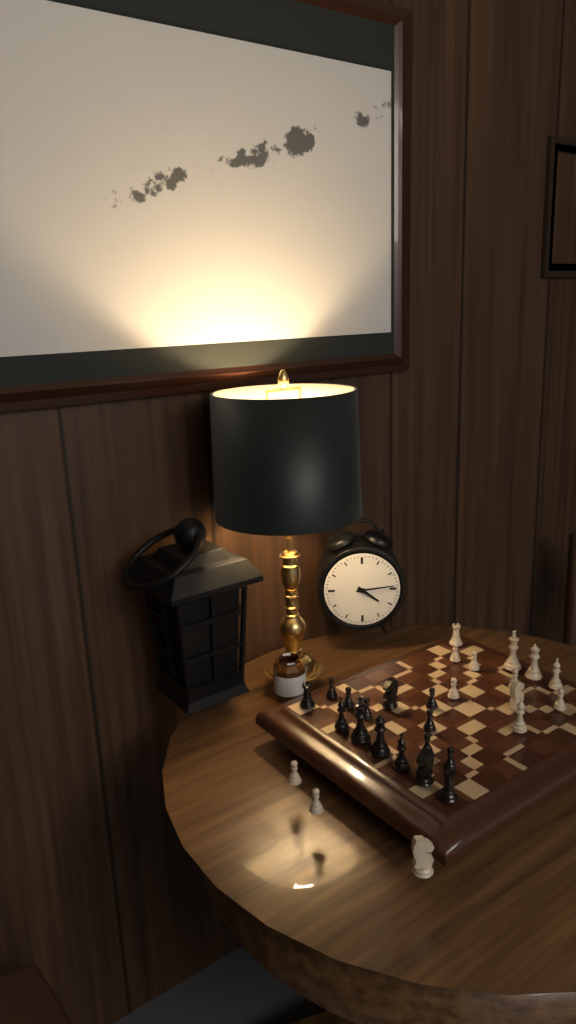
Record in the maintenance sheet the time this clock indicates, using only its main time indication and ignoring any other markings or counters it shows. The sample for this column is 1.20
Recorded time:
4.14
